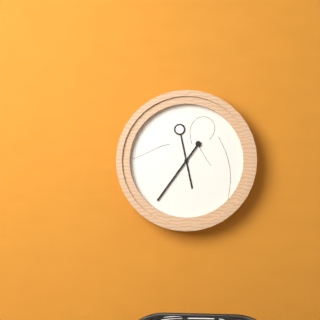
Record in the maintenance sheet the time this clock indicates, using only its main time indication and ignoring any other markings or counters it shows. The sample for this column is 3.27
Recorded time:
5.36
